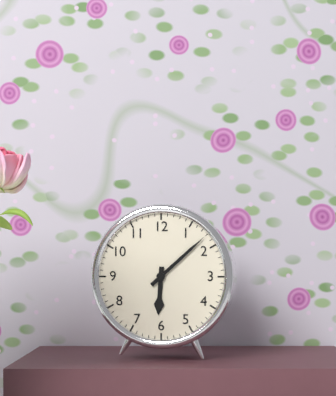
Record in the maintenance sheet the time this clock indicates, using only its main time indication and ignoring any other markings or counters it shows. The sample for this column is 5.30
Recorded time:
6.08
